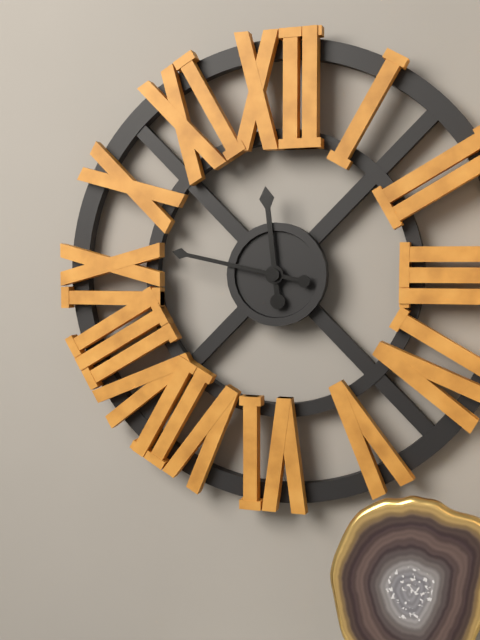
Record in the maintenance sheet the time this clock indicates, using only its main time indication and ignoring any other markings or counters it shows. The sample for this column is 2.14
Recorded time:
11.47
